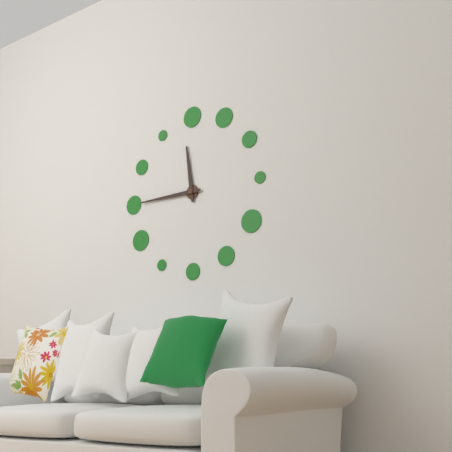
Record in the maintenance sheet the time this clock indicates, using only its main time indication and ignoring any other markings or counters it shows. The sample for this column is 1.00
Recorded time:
11.45
